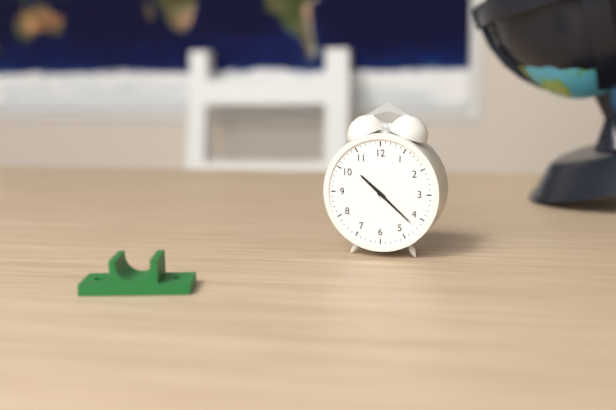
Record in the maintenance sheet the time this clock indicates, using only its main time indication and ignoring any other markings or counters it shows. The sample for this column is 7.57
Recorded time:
10.22
